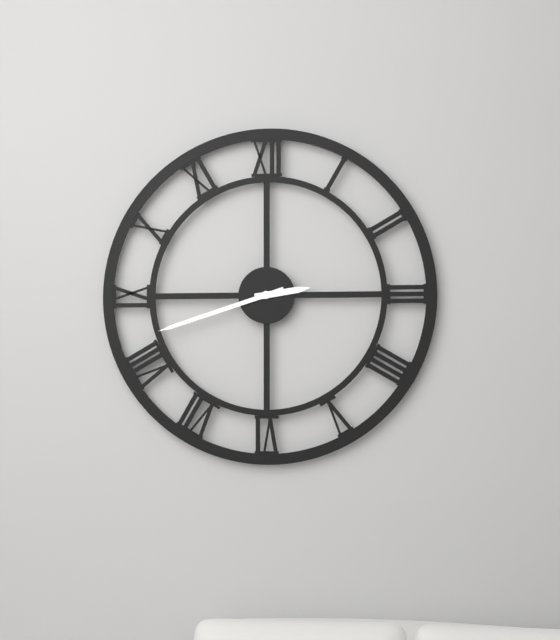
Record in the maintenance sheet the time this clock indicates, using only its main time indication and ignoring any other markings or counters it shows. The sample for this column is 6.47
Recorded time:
2.42
